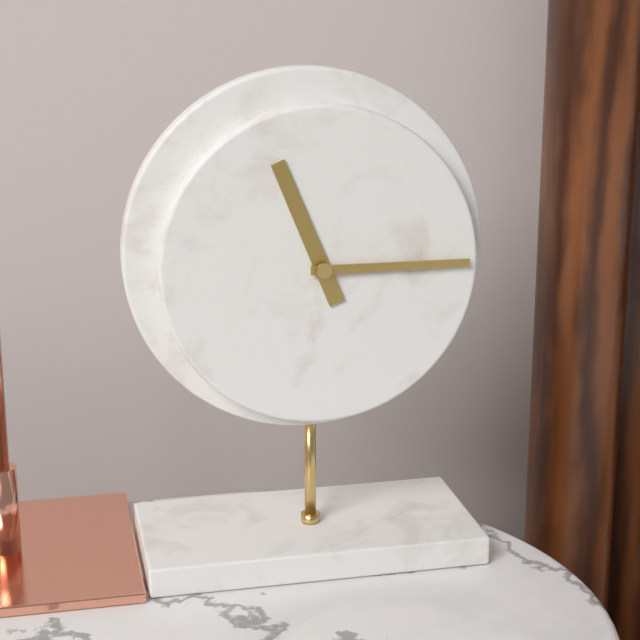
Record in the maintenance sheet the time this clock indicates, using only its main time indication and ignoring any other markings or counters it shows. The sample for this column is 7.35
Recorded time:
11.15
